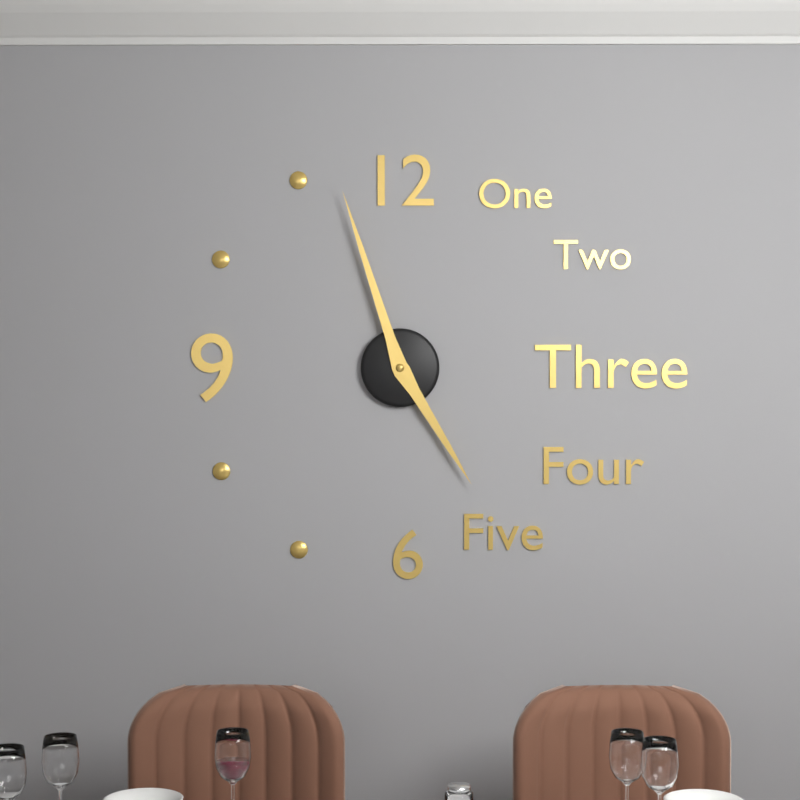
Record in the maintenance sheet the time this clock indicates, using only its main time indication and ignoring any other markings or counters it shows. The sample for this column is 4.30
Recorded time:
4.57
